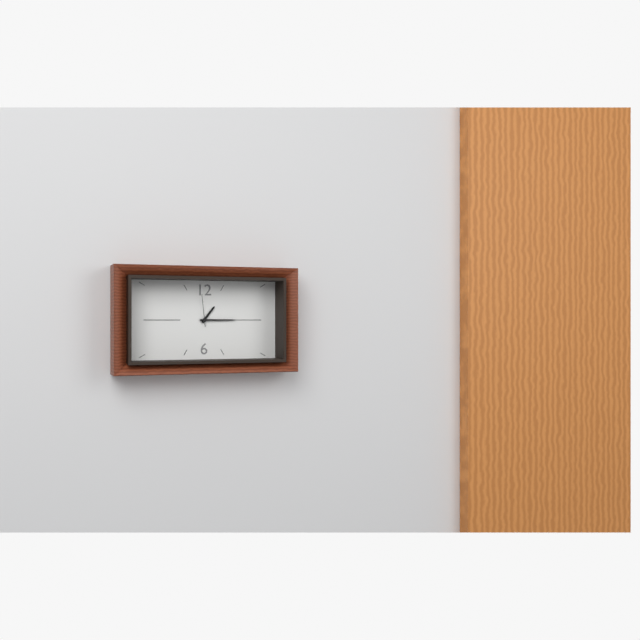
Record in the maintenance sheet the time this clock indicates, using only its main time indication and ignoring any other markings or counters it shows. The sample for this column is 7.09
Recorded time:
1.15
